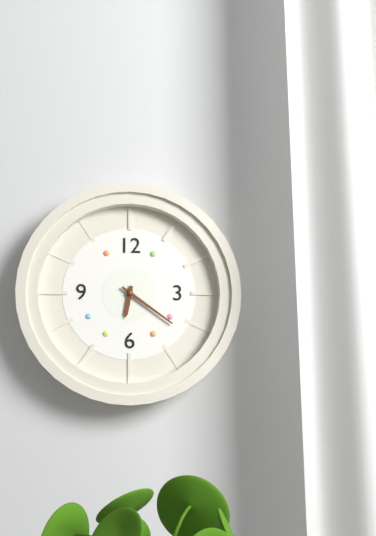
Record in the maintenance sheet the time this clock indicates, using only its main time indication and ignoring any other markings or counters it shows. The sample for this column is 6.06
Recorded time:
6.21
